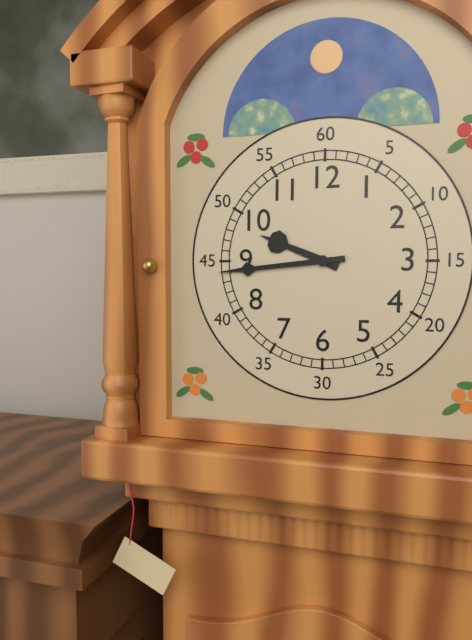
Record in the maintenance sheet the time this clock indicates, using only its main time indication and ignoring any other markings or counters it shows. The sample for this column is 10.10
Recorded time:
9.44
